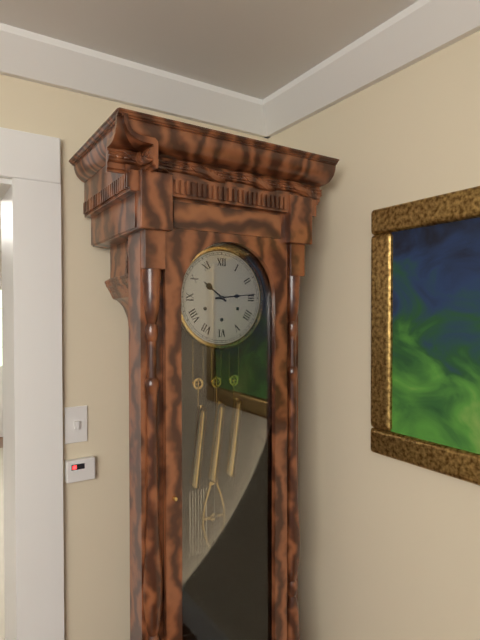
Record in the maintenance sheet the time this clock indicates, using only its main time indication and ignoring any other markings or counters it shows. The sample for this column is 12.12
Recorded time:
10.14
